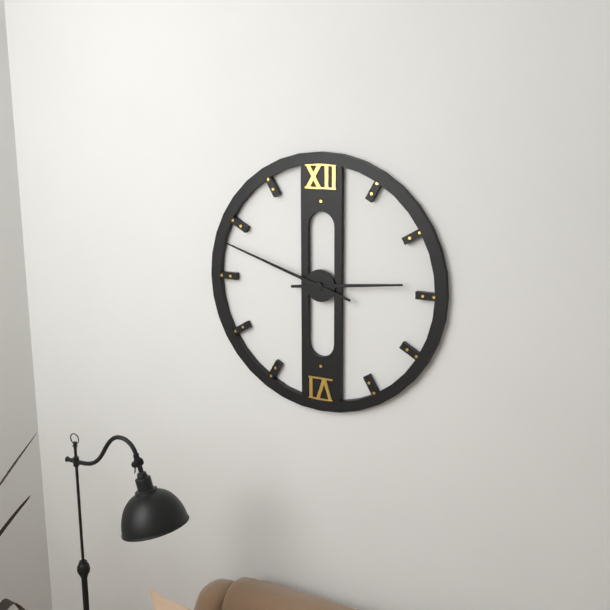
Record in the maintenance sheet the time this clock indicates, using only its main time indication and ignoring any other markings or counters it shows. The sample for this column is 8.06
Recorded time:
2.48
